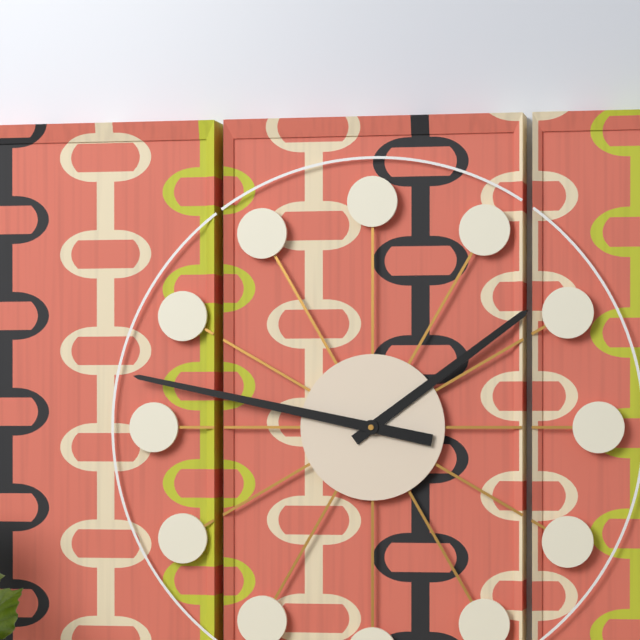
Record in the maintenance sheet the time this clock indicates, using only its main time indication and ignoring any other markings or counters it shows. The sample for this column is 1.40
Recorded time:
1.47
